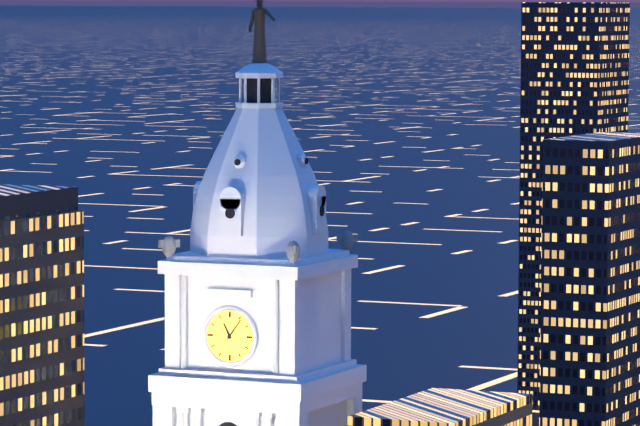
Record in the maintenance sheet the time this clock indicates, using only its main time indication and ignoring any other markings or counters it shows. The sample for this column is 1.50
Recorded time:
11.06
